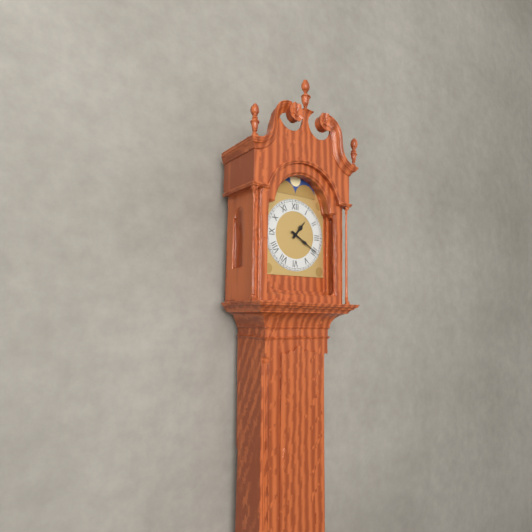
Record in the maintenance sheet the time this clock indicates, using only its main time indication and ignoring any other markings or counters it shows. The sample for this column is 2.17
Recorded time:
1.20
